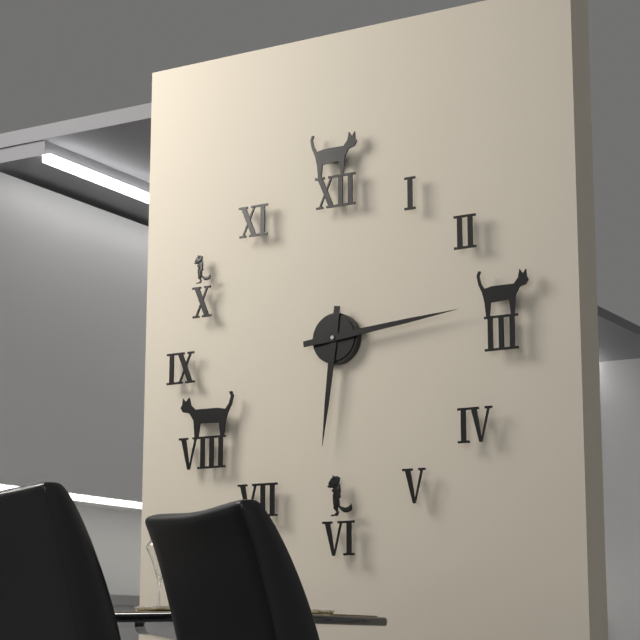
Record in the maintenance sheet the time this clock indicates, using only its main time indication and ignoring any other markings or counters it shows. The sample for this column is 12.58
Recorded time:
6.14
